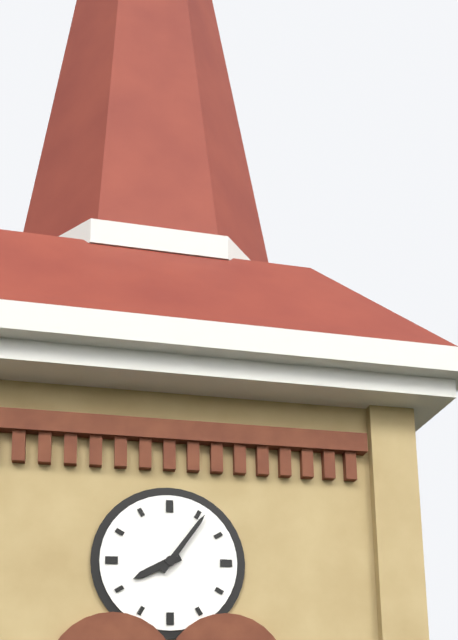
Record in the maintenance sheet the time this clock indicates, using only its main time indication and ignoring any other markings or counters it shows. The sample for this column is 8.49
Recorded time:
8.06
